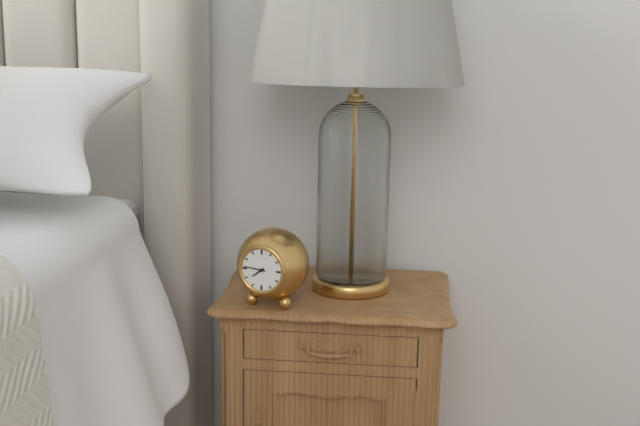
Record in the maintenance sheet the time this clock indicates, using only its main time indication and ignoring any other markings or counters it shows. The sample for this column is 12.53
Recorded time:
7.46
